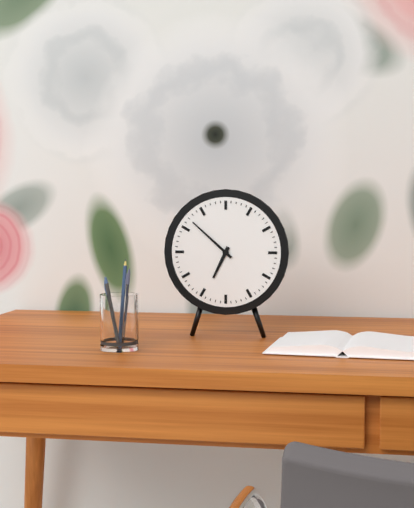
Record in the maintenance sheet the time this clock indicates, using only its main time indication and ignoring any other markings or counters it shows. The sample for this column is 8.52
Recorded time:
6.52
